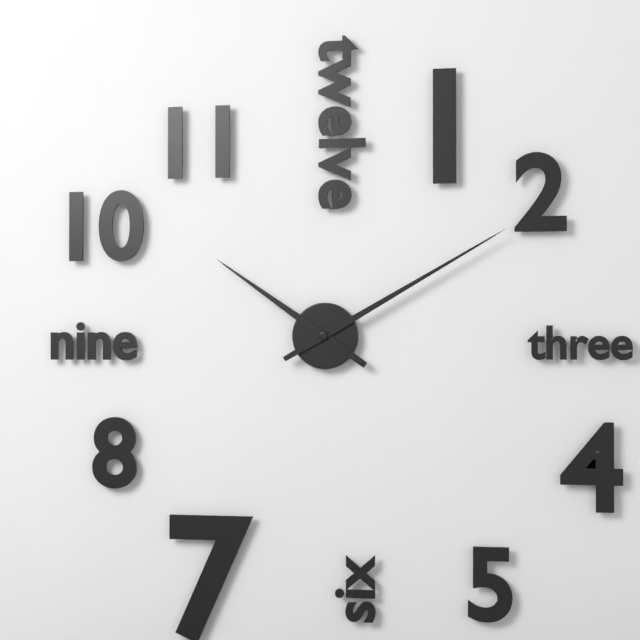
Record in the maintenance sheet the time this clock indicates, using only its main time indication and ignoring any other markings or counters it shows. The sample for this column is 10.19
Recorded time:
10.10
